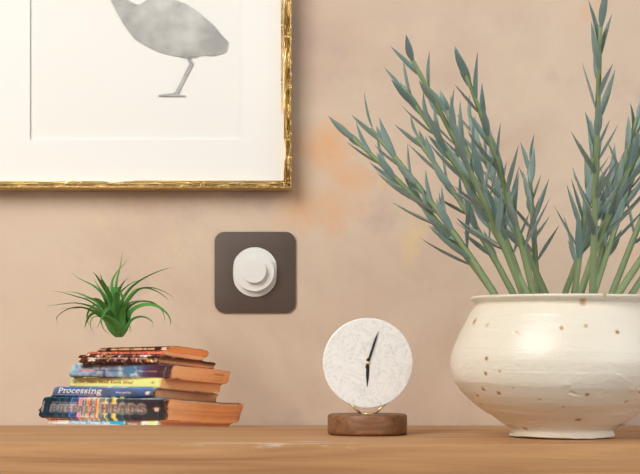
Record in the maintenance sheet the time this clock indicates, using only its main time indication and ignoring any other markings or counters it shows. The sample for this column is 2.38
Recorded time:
6.03
